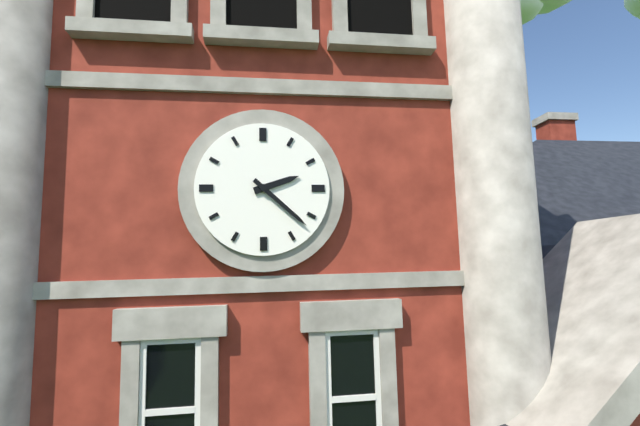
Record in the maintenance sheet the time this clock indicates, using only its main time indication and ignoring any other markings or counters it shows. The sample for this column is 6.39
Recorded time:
2.22
